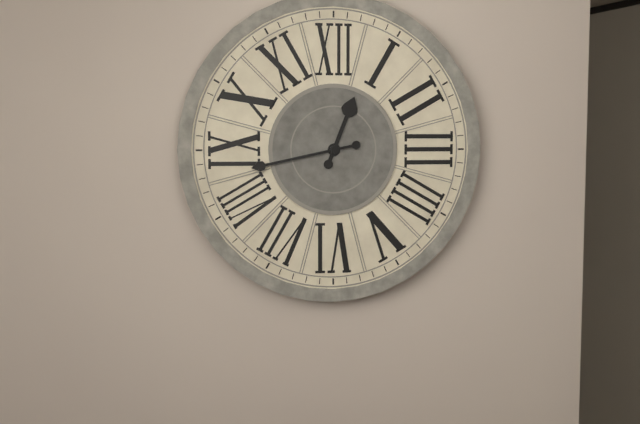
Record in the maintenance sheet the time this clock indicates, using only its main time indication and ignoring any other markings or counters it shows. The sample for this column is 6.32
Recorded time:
12.43
